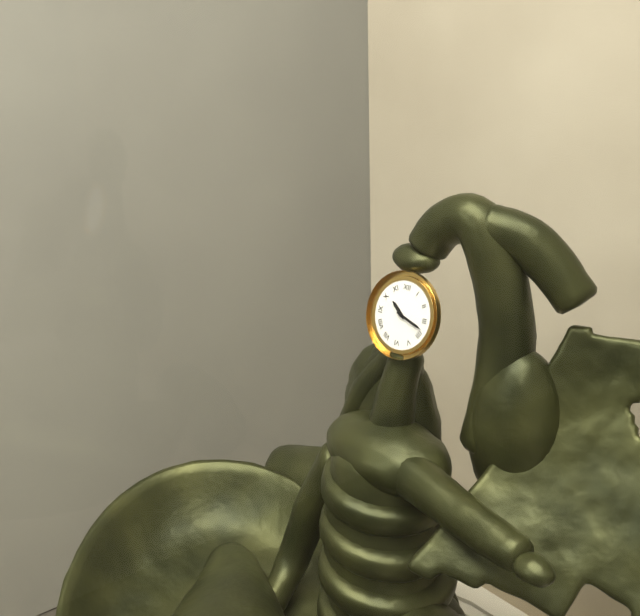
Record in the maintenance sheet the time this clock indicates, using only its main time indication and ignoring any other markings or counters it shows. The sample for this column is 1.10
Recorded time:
10.18
